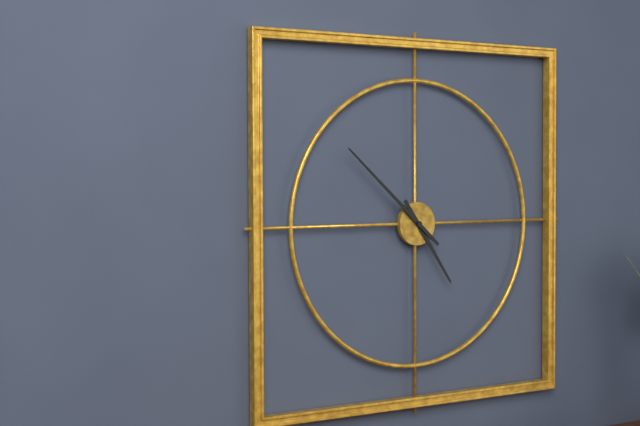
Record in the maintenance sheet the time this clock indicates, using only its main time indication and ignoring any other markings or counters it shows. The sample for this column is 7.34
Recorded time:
4.52
